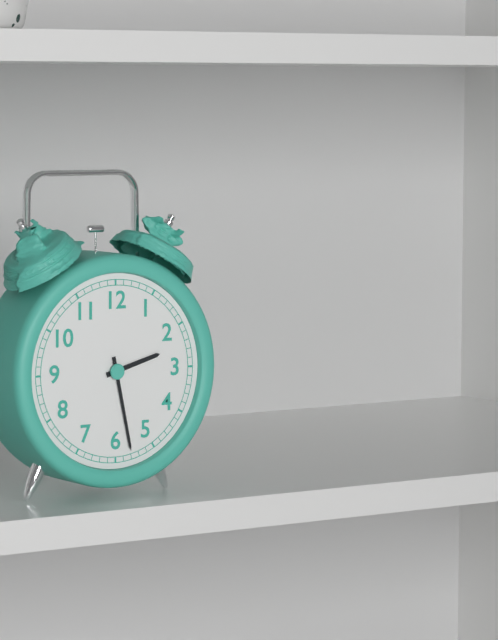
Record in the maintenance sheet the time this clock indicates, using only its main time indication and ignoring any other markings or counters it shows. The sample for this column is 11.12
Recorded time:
2.28
